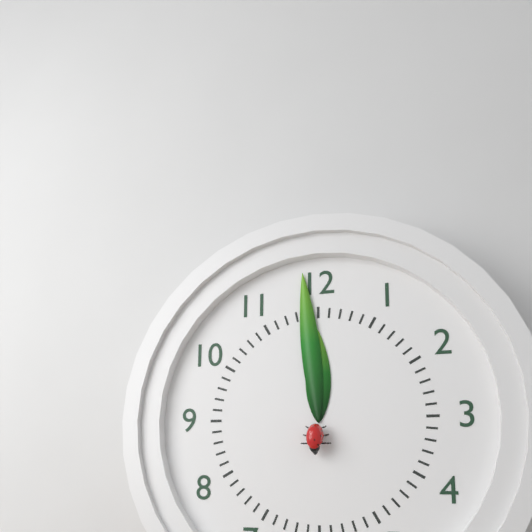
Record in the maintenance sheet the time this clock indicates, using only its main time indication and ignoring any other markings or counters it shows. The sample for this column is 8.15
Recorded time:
11.59
